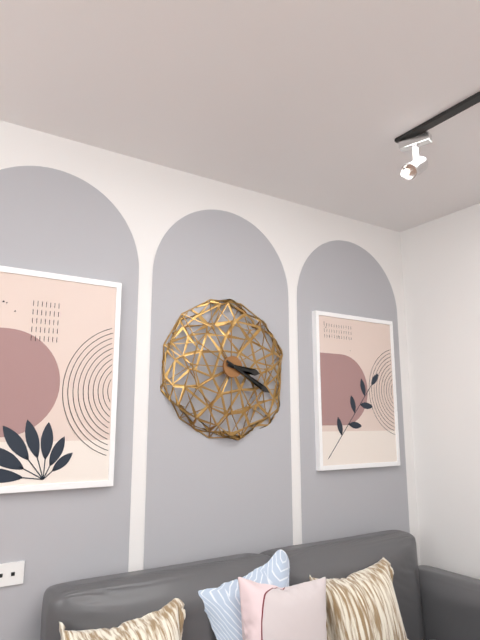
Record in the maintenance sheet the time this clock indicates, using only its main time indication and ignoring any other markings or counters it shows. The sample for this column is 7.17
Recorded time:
3.20
